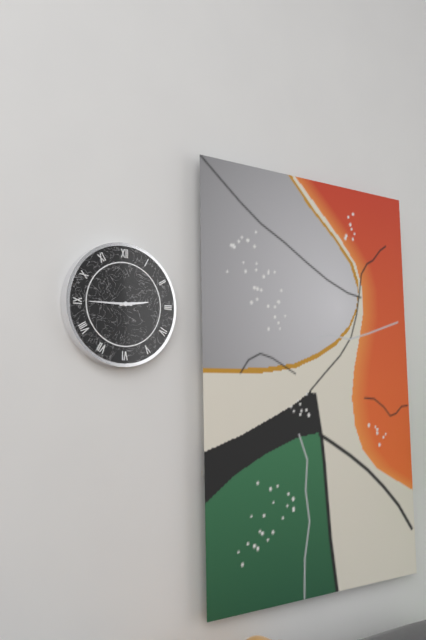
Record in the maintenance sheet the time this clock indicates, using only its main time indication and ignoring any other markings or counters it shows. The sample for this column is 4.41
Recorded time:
2.45
